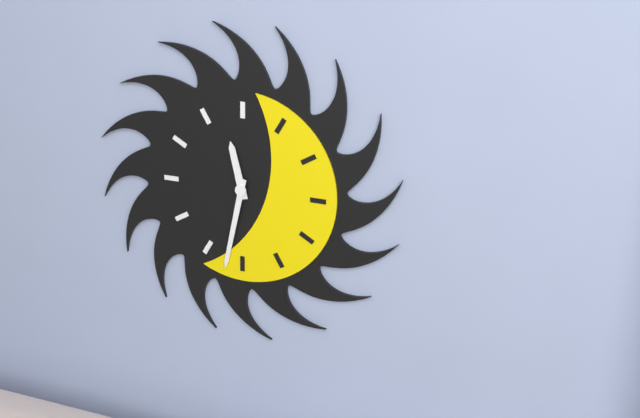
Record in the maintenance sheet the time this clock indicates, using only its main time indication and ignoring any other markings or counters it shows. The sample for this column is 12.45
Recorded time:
11.32
